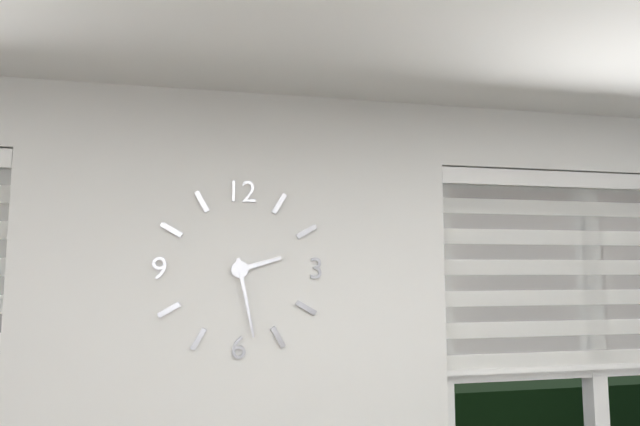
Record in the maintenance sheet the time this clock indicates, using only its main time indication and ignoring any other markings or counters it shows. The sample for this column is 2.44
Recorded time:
2.28
